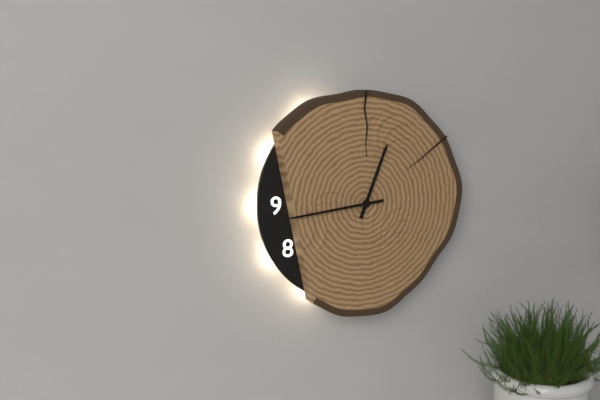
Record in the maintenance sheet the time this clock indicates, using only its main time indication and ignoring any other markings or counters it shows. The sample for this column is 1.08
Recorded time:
12.44
